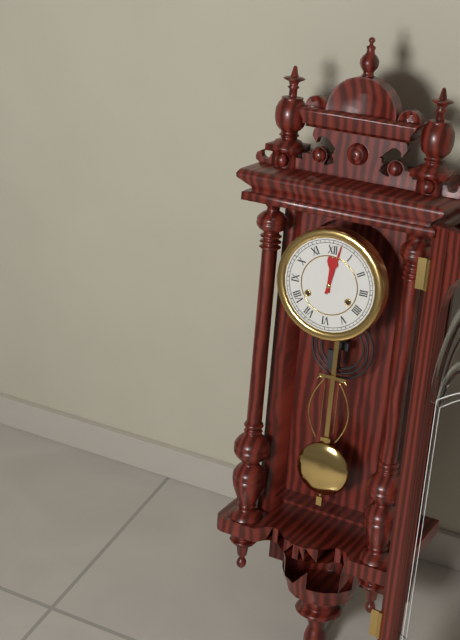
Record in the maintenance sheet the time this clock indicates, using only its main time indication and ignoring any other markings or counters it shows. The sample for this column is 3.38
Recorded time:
12.02
